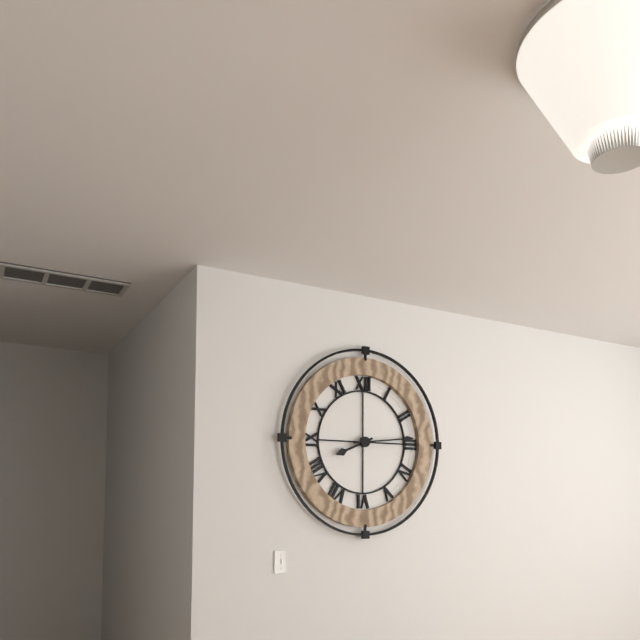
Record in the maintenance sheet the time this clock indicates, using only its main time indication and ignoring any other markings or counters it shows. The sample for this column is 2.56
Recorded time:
8.14
